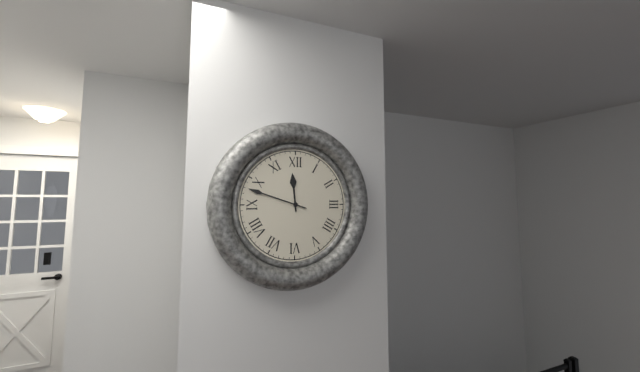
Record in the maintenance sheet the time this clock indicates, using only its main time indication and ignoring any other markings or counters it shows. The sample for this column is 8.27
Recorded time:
11.48
